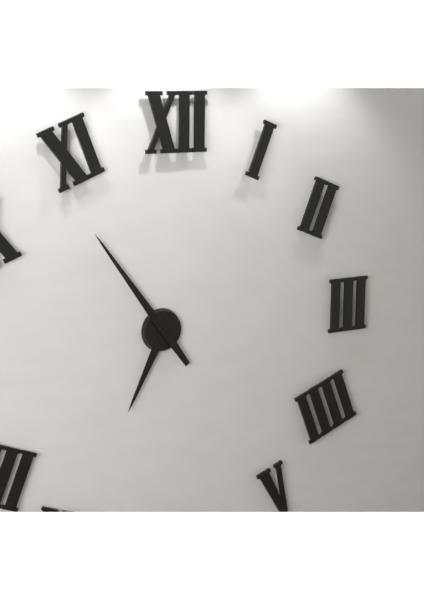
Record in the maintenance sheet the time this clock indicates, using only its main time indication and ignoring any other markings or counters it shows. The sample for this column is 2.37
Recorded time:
6.54
